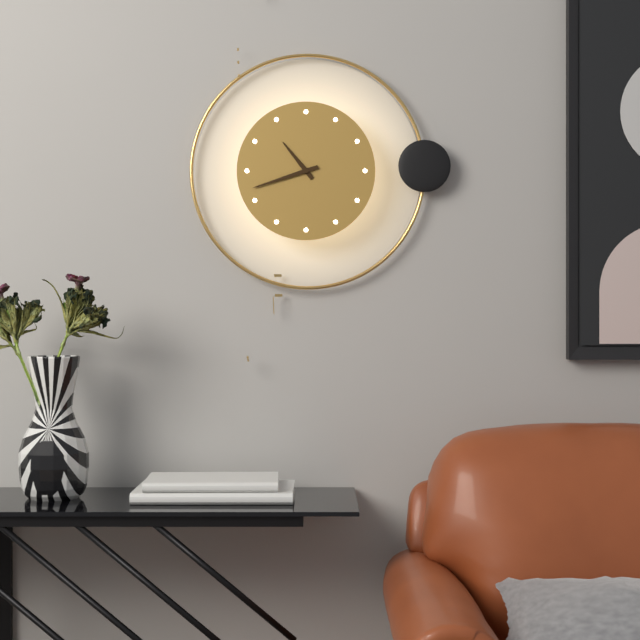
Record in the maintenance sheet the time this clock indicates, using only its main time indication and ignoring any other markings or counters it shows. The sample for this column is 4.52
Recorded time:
10.42
